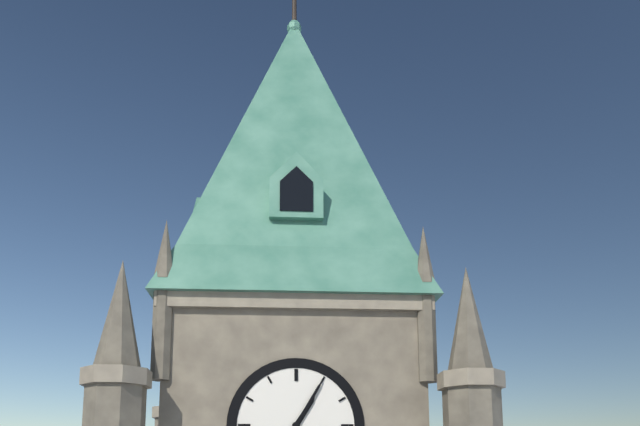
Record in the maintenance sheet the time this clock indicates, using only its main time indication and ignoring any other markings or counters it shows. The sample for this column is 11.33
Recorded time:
1.05
